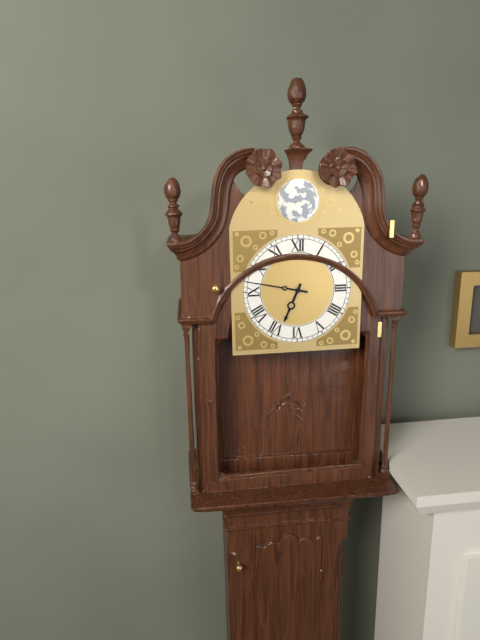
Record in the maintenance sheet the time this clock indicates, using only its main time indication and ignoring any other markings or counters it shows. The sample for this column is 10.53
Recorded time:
6.47
